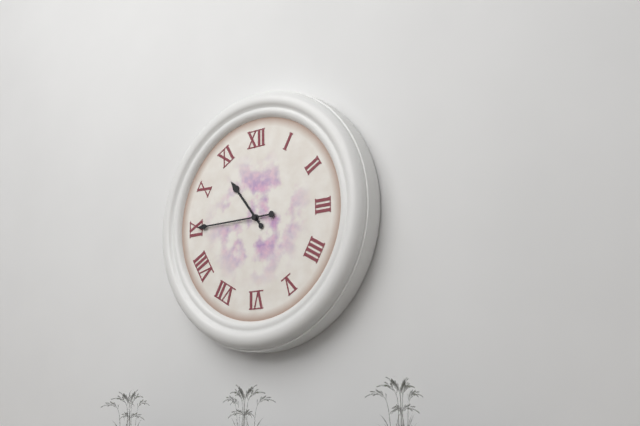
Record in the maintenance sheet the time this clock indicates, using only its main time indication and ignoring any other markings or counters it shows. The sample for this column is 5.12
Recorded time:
10.45
